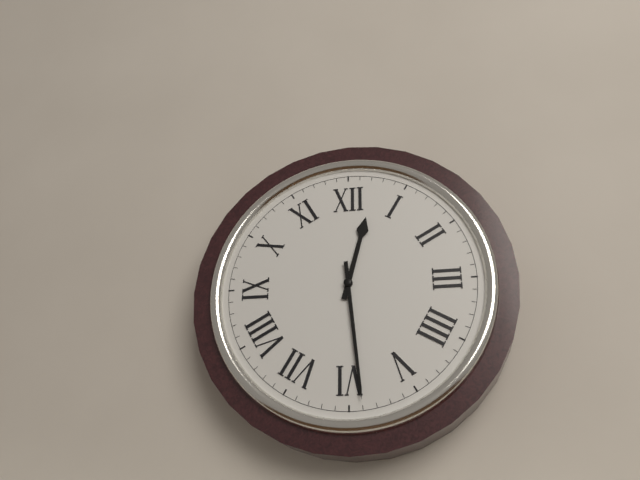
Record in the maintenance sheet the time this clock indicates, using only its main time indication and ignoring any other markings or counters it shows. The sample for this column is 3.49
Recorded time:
12.29
